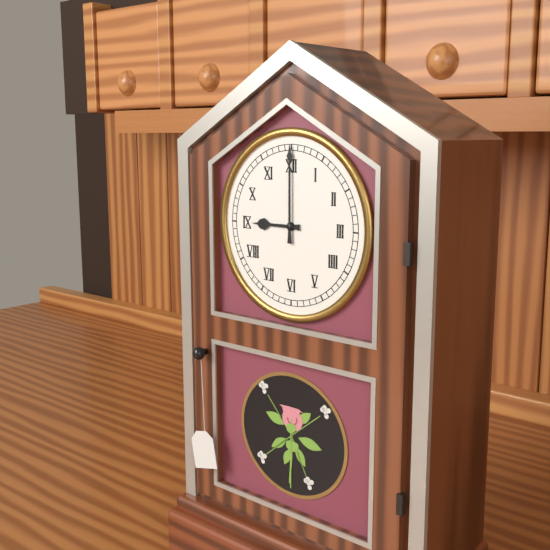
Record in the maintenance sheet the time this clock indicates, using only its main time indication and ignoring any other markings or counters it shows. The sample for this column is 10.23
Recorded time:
9.00
